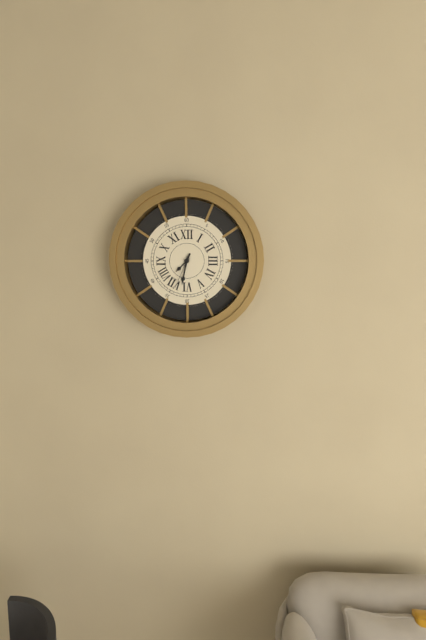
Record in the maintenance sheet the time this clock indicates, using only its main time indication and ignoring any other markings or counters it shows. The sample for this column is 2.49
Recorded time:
7.32
